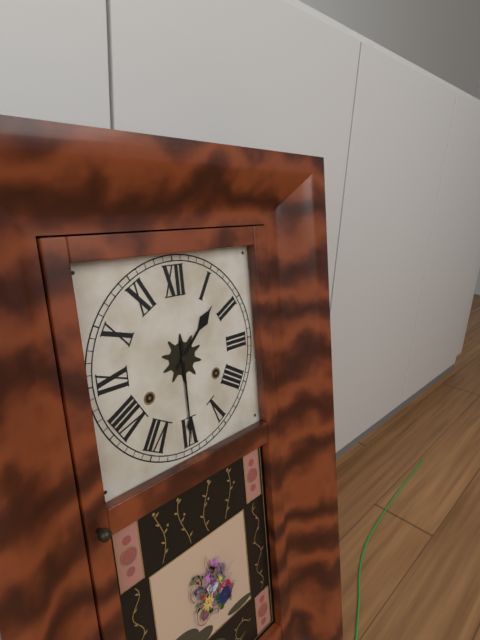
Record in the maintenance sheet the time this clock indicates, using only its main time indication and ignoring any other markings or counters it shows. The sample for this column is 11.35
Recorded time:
1.30
